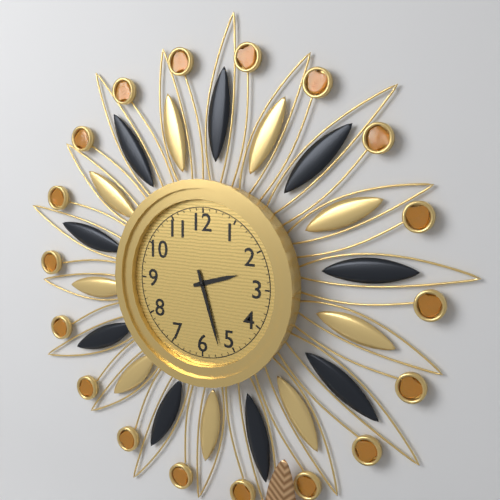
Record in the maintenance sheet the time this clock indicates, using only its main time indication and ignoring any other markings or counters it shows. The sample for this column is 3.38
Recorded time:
2.27
